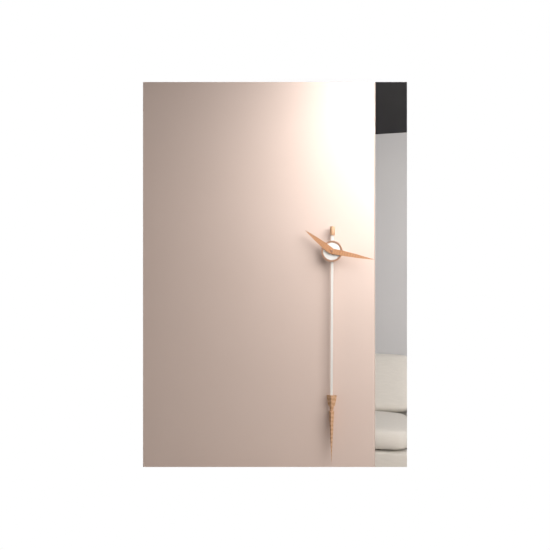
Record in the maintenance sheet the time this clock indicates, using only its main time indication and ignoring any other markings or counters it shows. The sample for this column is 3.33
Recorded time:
10.17
